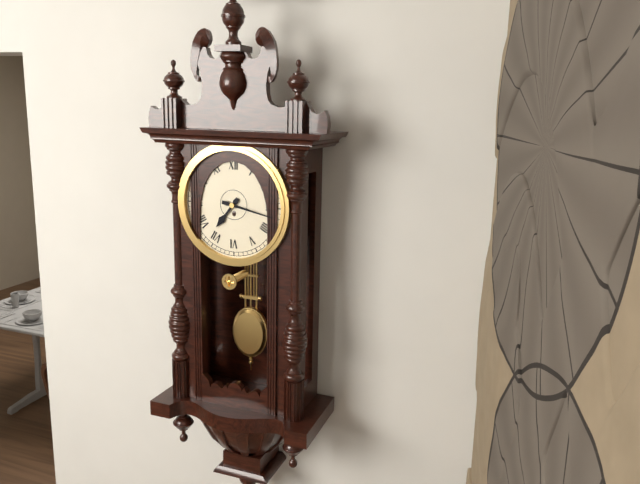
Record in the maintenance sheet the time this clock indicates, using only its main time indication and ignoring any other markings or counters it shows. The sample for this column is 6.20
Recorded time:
7.17
